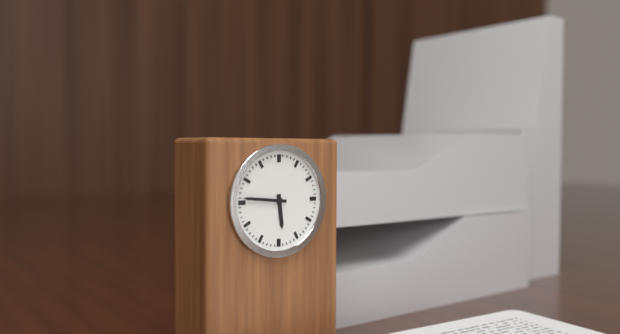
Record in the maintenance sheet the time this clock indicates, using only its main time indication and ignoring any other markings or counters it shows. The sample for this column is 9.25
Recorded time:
5.46
